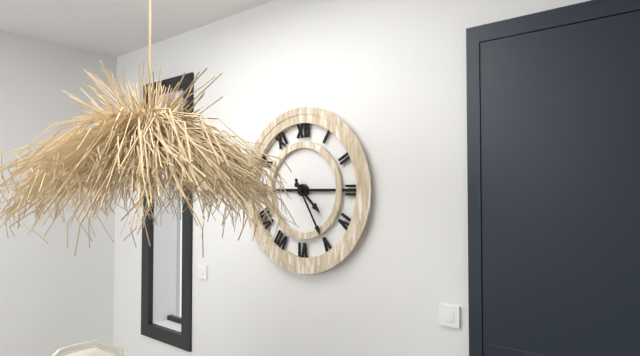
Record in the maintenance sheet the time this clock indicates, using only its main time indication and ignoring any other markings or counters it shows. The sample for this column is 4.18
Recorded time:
4.25
